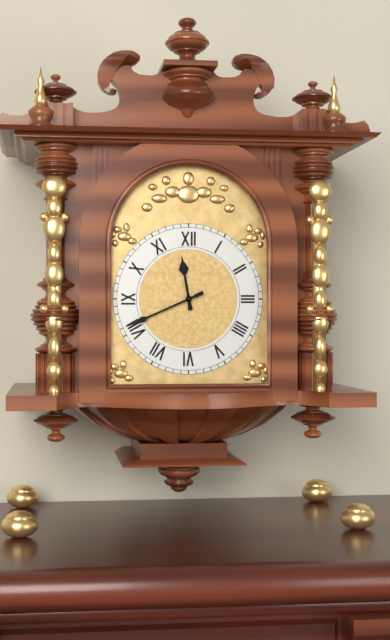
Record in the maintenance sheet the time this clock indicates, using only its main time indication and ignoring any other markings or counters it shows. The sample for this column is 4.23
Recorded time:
11.41
